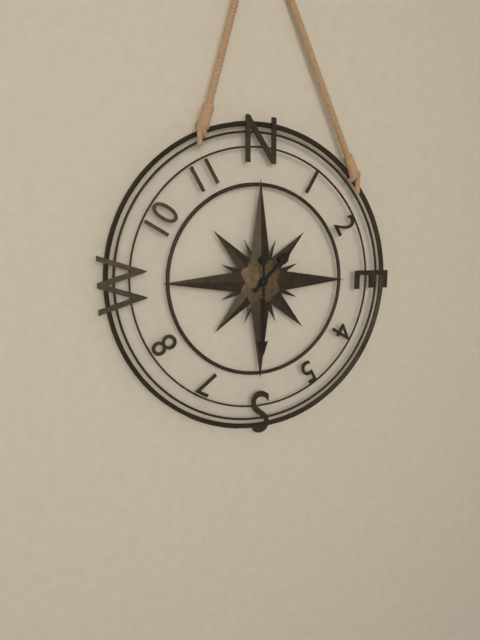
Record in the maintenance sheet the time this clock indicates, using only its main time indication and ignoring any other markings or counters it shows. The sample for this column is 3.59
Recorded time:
1.30
